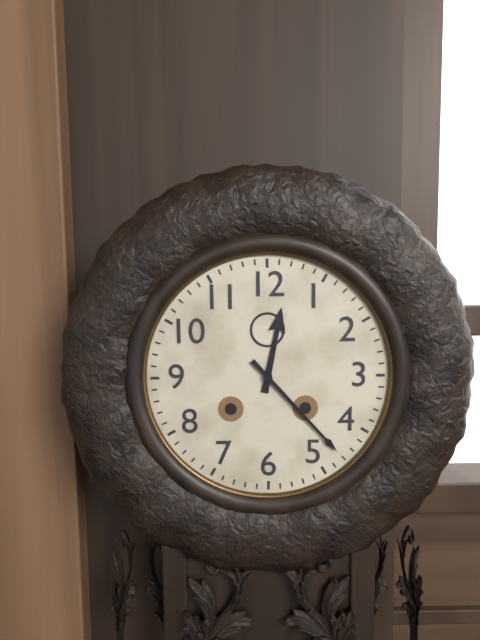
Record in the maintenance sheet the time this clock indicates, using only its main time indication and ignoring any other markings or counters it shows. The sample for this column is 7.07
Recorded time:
12.23
